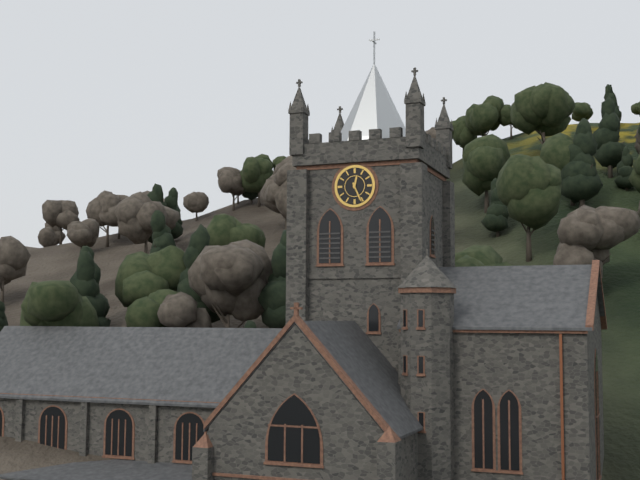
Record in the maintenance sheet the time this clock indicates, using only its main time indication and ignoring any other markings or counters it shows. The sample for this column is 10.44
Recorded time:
12.26
